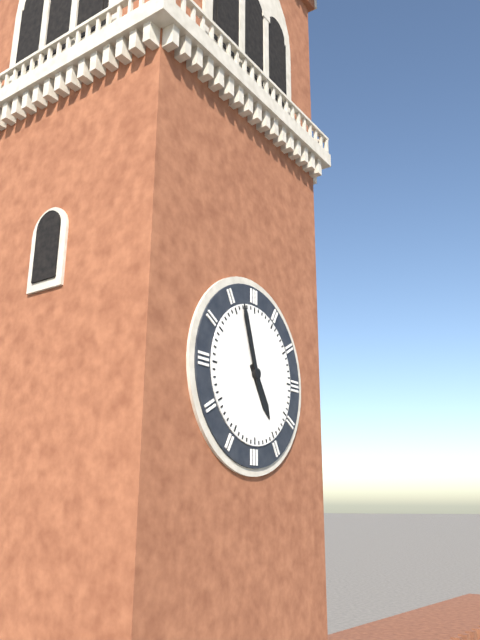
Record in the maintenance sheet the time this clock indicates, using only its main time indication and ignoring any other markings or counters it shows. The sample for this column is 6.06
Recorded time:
4.57
